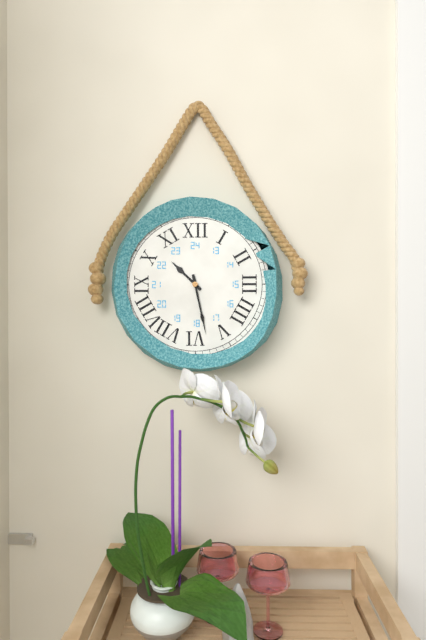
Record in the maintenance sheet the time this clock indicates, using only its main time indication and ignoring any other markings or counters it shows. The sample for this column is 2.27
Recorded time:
10.28
